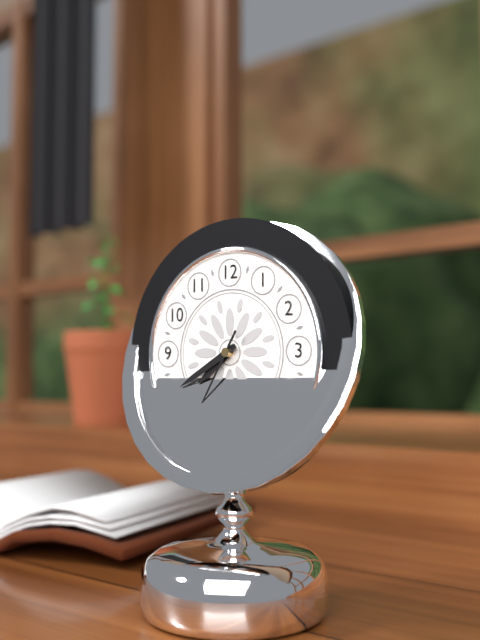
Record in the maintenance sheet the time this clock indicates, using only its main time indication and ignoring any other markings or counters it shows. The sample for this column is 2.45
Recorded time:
7.40
